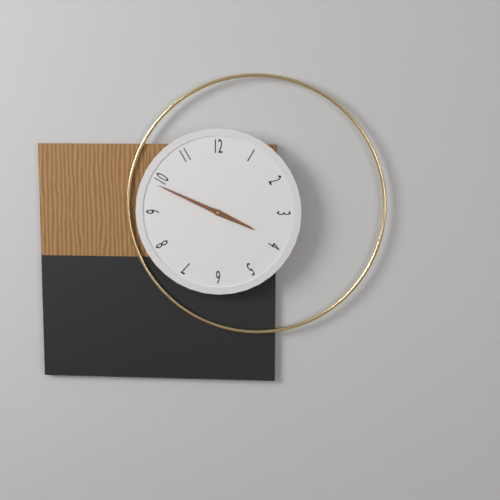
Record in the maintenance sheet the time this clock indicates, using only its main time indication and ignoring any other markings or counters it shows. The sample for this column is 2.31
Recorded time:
3.49
